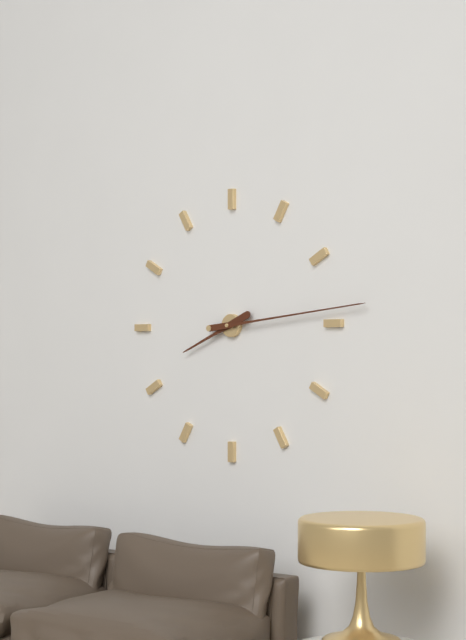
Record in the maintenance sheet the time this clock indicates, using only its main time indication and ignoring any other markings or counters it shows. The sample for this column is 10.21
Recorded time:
8.14
